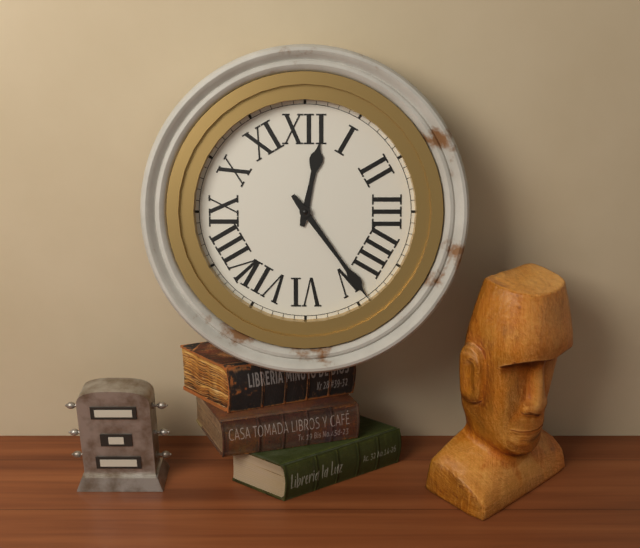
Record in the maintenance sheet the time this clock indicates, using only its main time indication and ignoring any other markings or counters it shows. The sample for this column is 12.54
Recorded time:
12.24
